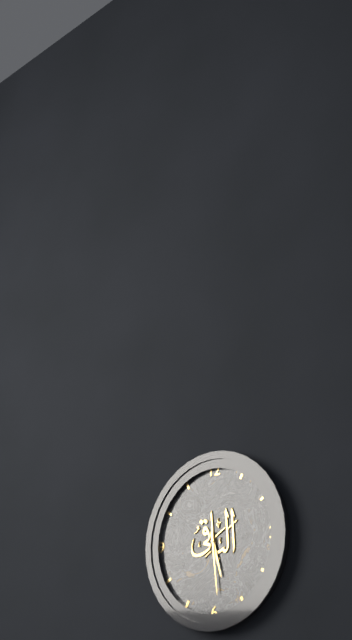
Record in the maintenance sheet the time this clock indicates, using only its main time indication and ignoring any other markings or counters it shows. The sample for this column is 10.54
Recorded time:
5.29
